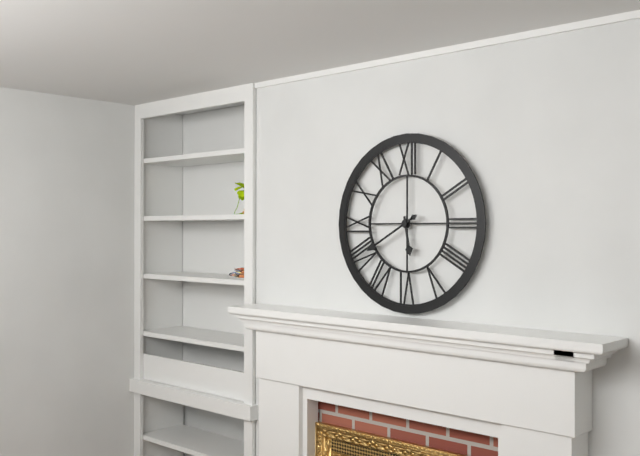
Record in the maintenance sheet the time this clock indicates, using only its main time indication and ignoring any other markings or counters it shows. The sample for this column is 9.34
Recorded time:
5.40
